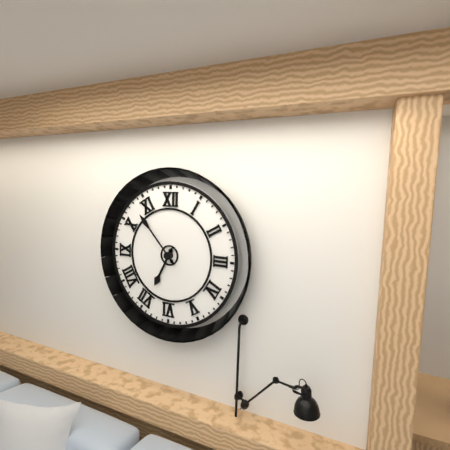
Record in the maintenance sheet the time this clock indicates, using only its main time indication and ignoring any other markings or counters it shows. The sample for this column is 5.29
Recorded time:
6.53
